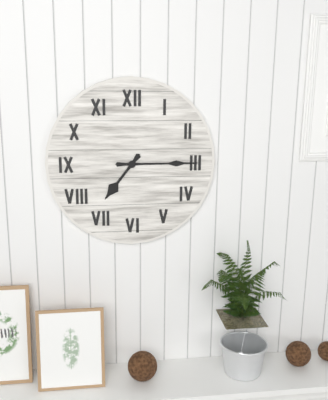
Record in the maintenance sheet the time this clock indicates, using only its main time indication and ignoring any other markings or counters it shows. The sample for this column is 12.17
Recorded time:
7.15
